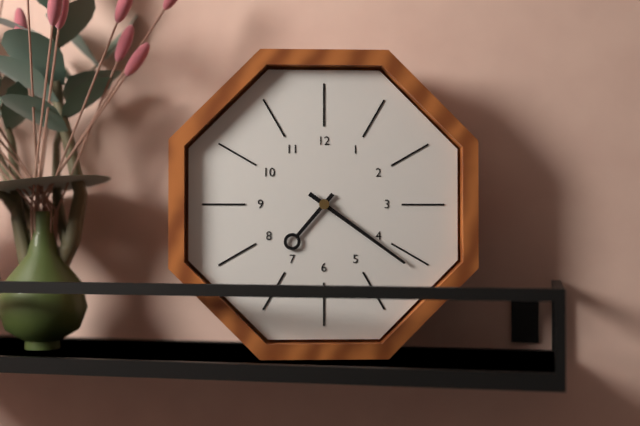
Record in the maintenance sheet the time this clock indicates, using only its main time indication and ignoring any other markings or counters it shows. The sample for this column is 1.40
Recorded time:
7.21
